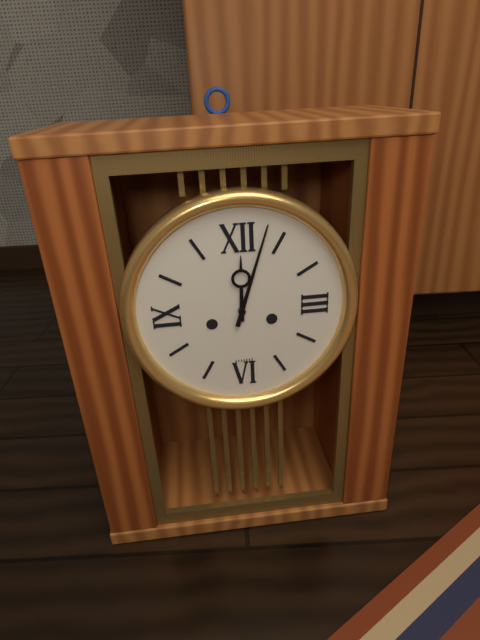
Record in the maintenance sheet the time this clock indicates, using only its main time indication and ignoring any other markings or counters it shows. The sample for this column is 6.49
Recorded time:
12.03
